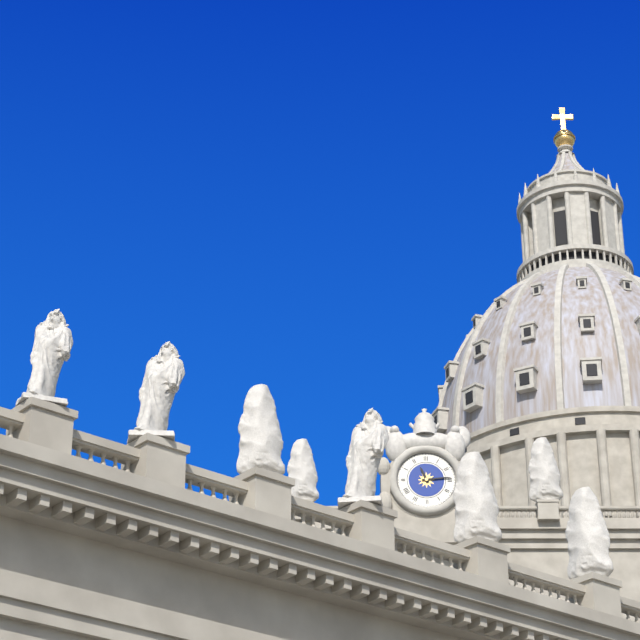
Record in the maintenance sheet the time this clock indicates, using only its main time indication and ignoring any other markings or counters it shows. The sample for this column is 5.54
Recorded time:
11.14
